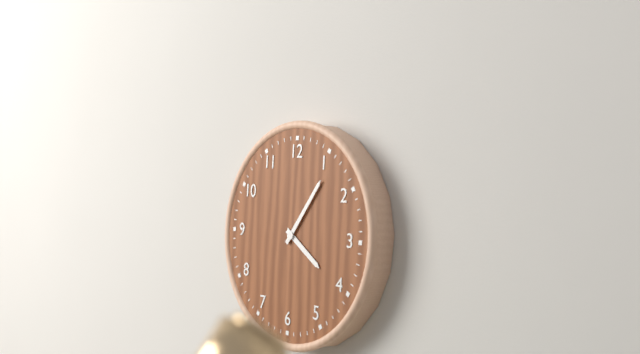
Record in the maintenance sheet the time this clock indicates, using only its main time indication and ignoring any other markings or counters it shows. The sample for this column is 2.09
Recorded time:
4.06
